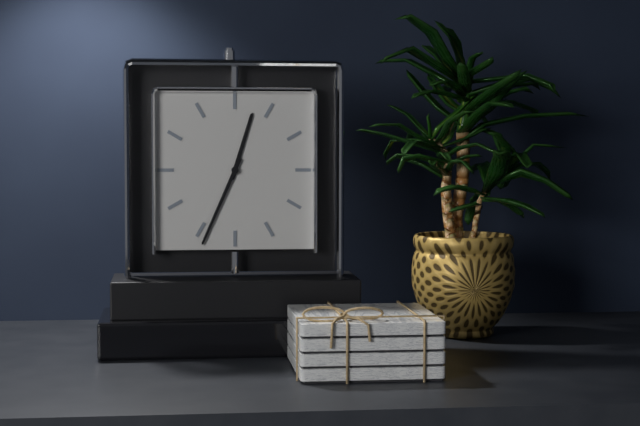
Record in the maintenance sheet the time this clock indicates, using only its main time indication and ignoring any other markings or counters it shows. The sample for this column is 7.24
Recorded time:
12.34
